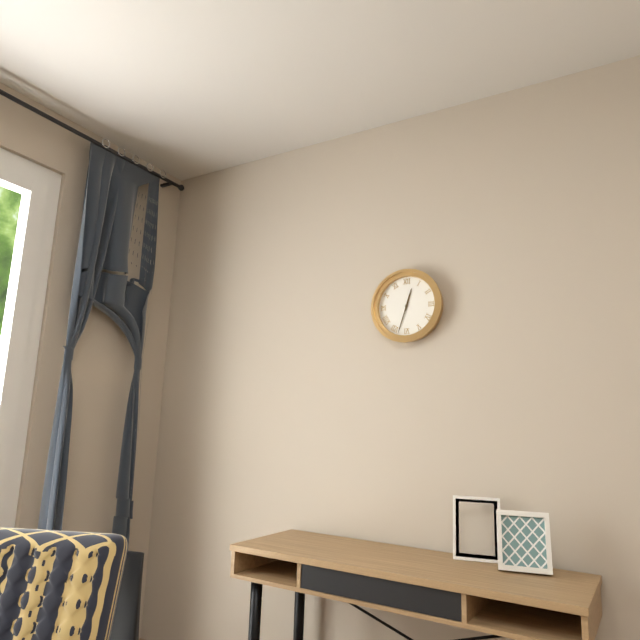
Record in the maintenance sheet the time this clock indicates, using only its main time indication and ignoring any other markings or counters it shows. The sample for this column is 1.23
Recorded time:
12.33
